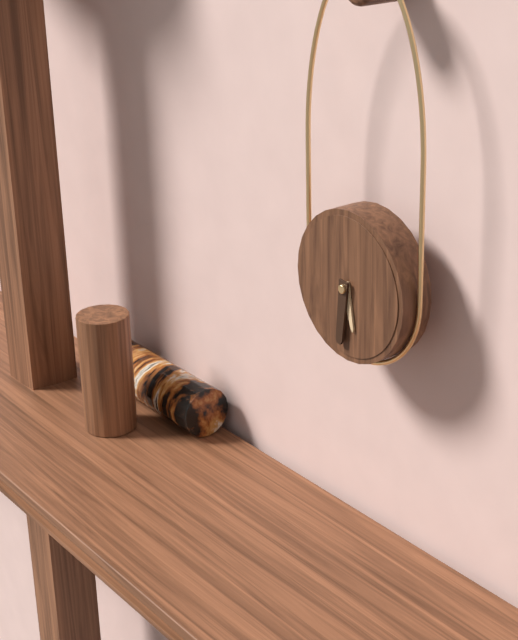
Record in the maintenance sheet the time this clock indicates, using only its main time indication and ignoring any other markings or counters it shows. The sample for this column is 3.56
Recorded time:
5.31
